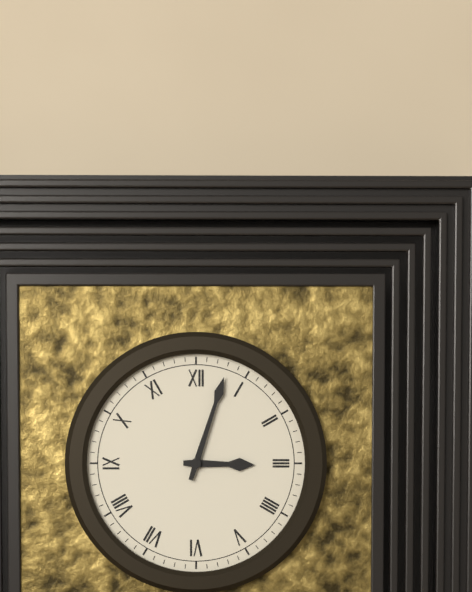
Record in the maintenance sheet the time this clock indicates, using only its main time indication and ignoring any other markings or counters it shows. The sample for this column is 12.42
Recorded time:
3.03
